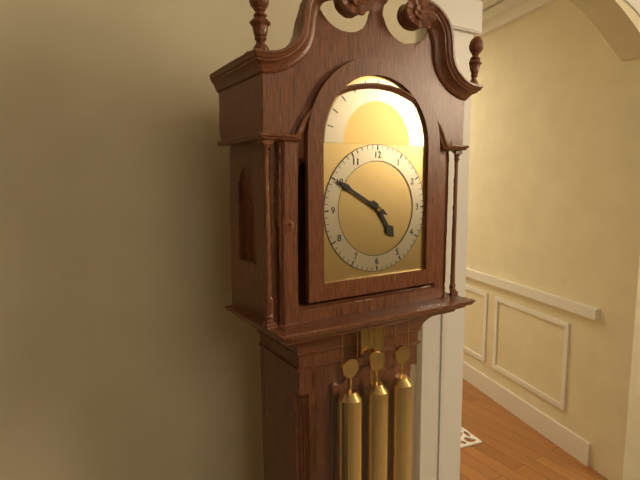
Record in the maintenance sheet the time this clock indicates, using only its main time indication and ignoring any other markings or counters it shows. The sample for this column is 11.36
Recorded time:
4.50
